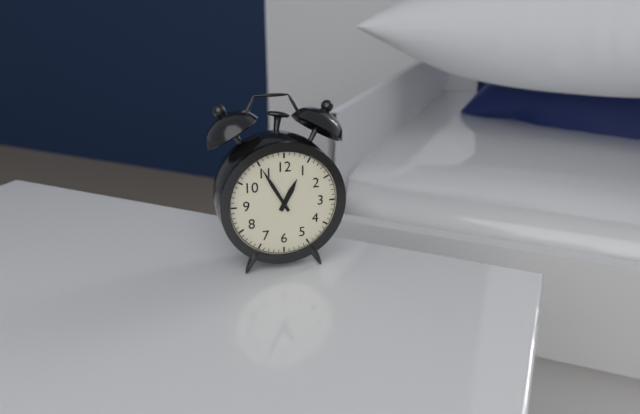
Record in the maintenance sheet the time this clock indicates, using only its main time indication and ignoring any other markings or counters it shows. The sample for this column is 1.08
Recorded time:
12.55
